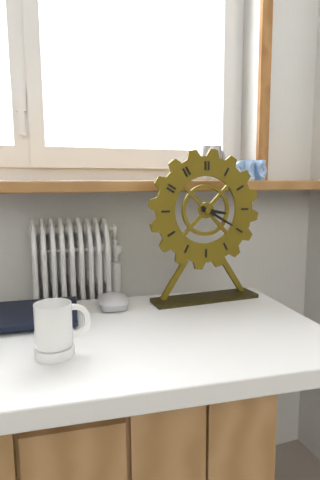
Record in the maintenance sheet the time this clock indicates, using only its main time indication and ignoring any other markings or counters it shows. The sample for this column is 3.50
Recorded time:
3.20
